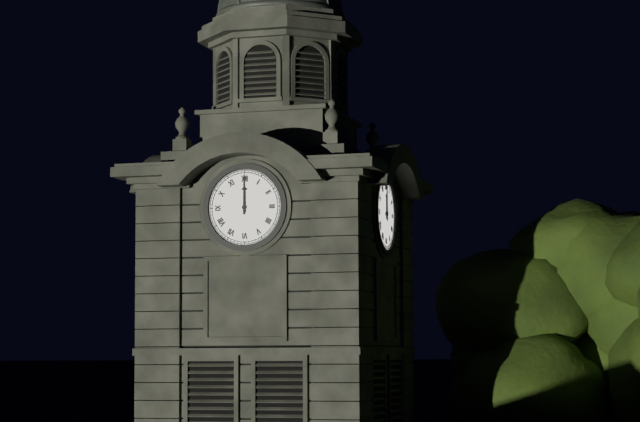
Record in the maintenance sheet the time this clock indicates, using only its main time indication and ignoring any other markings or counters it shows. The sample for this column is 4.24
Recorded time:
12.00
